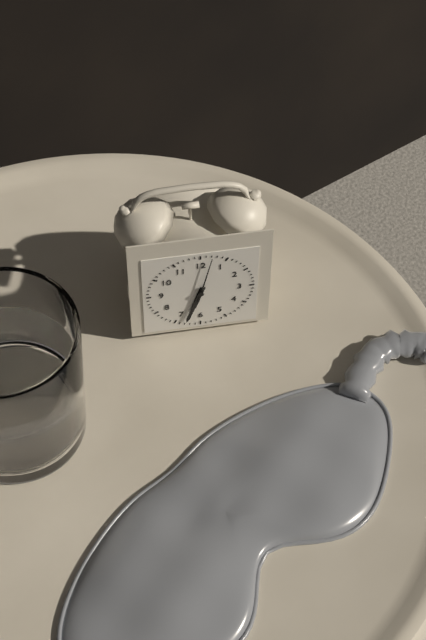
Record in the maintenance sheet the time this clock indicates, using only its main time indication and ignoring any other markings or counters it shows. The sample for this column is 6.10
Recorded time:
6.33
